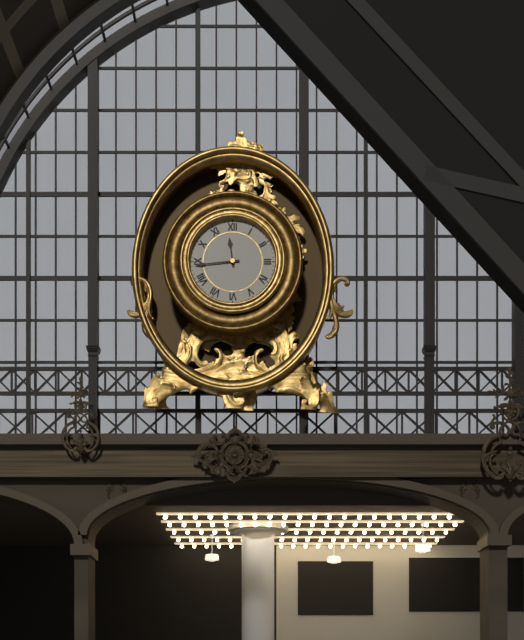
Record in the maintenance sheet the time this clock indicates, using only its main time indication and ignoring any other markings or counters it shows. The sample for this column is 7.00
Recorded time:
11.44
